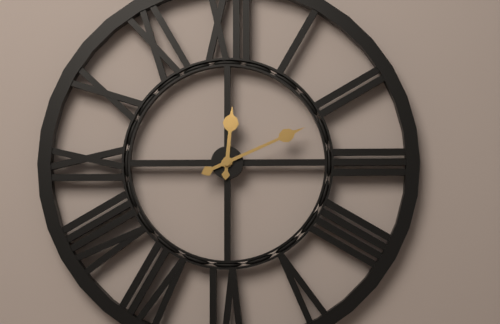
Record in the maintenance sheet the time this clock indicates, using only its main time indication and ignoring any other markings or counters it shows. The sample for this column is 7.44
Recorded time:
12.11
